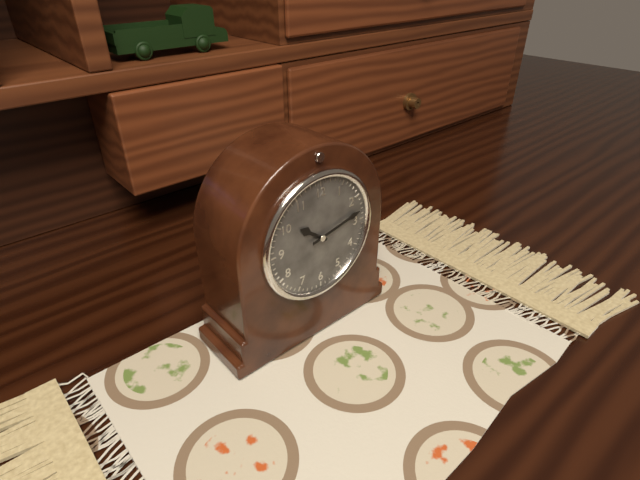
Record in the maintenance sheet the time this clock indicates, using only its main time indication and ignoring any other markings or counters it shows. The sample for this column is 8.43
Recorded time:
10.13
